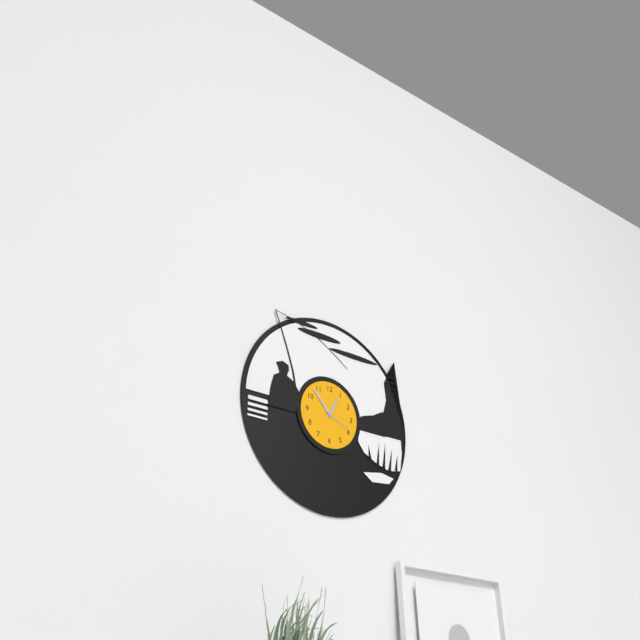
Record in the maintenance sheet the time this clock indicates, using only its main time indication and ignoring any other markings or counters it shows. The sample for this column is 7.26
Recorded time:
12.53
